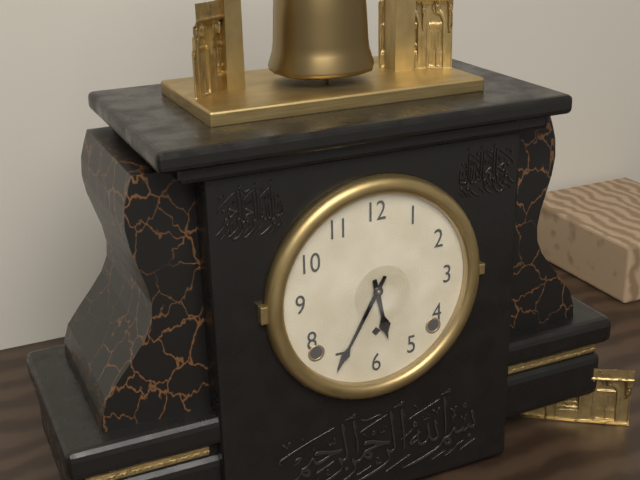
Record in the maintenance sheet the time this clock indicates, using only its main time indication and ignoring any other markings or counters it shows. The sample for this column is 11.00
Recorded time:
5.35
